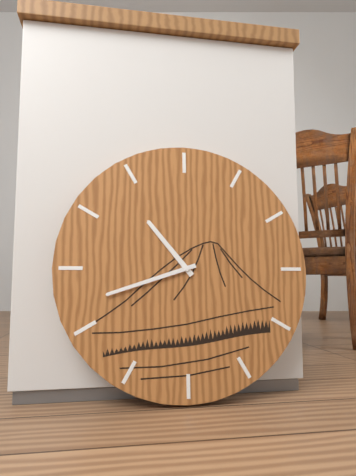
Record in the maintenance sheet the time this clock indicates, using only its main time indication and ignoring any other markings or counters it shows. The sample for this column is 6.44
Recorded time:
10.42
